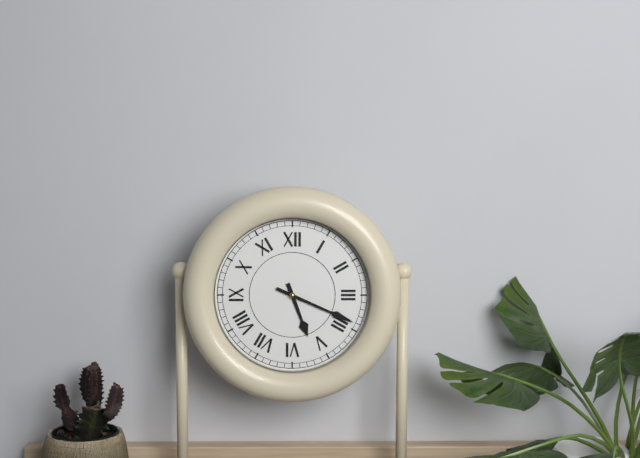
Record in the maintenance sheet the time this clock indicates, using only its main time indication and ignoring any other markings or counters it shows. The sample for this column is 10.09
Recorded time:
5.19
